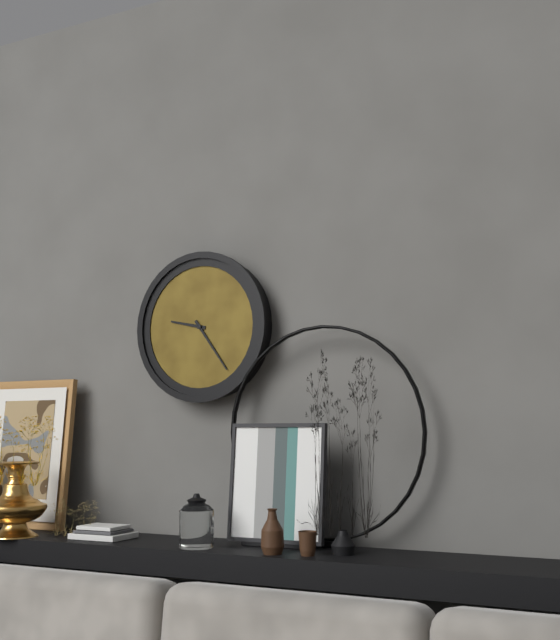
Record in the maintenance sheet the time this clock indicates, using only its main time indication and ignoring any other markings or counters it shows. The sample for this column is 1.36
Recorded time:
9.24
